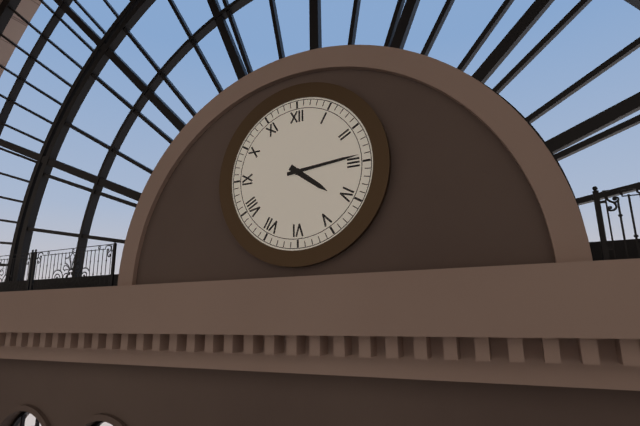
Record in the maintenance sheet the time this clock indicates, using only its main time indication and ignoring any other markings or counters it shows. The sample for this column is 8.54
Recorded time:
4.14
